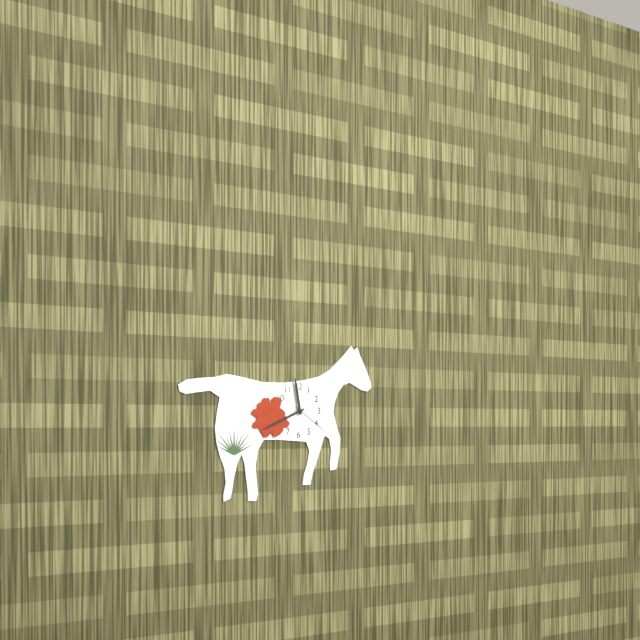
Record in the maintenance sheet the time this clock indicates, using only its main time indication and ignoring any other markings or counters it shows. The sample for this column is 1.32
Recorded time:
11.41
